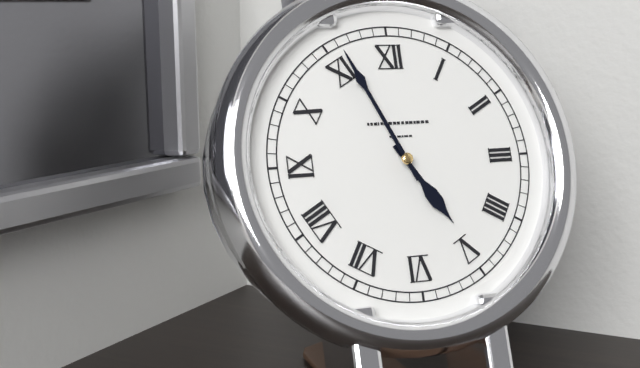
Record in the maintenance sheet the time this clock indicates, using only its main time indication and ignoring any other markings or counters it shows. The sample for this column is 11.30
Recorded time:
4.56
